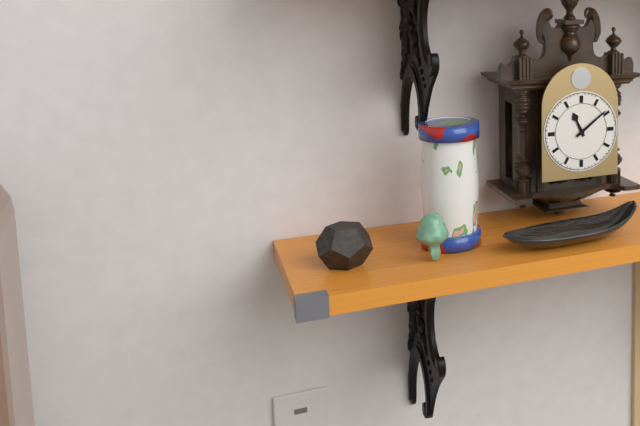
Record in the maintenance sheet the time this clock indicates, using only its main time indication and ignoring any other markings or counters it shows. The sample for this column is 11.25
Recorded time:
11.09
